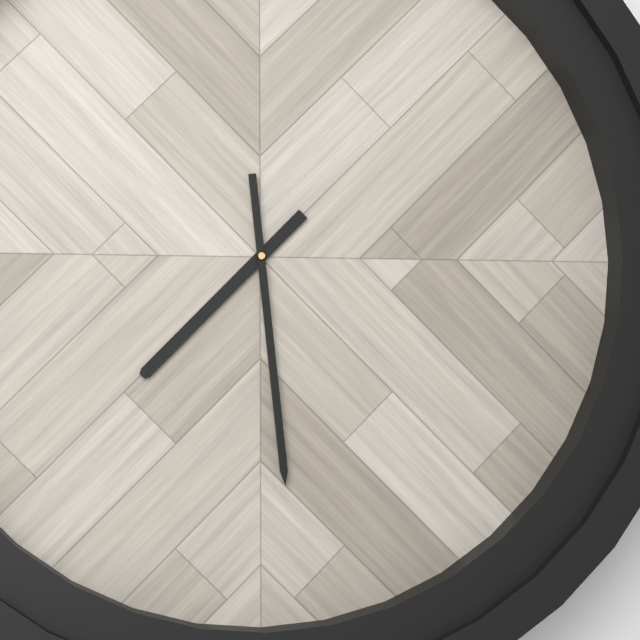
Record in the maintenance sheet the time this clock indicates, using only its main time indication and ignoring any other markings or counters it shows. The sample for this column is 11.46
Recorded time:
7.29
